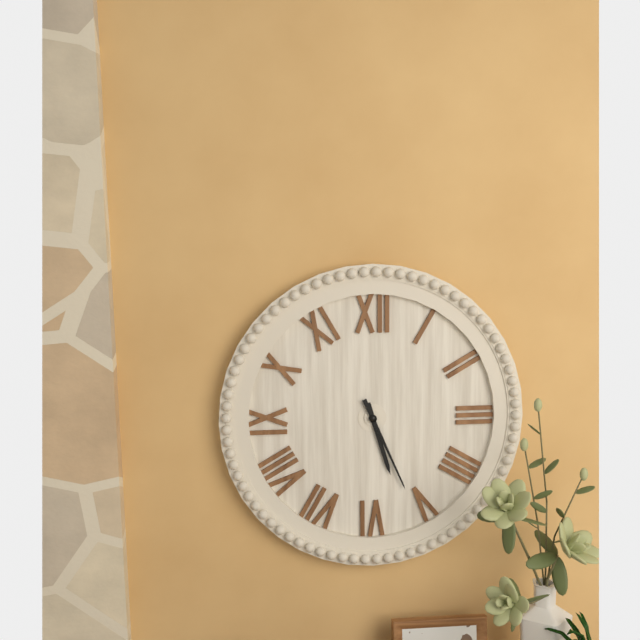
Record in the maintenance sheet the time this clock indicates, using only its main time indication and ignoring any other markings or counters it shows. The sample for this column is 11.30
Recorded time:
5.26
